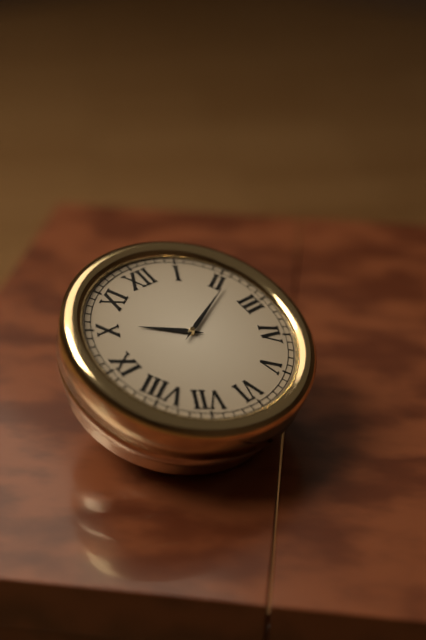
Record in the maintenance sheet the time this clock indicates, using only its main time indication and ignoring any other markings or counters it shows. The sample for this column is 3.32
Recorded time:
10.11
